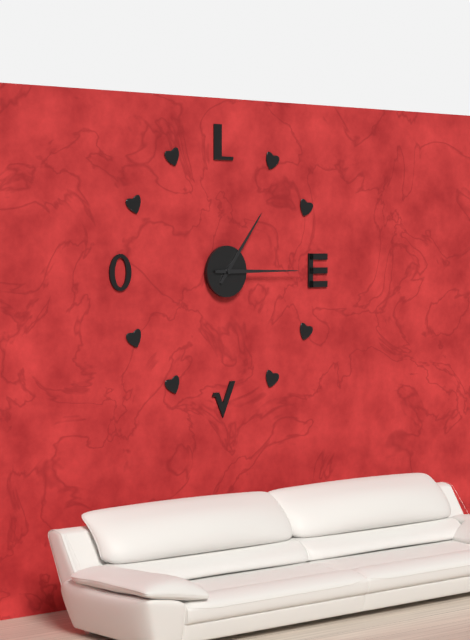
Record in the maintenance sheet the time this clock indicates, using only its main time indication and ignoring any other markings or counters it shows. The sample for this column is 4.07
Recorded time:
1.15
